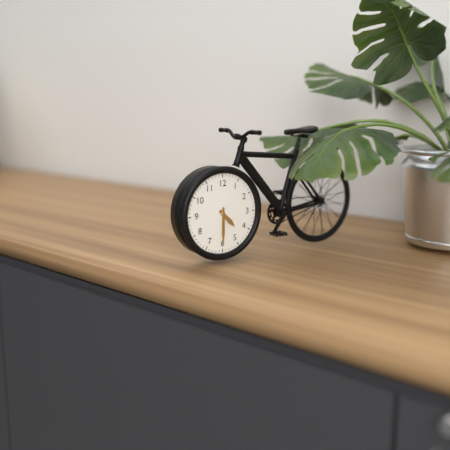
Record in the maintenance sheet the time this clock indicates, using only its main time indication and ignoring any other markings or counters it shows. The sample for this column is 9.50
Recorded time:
4.30
